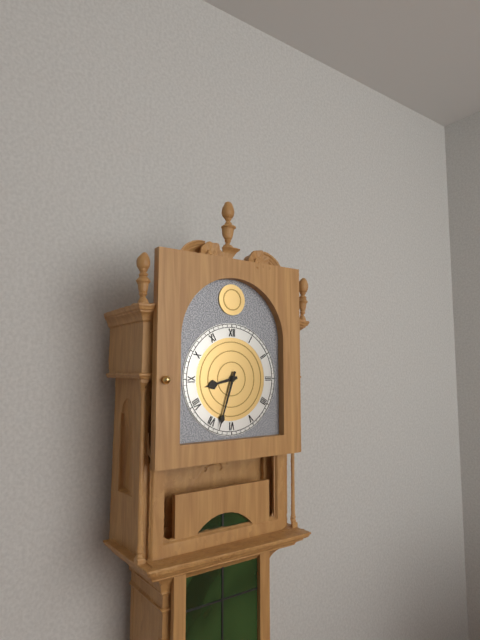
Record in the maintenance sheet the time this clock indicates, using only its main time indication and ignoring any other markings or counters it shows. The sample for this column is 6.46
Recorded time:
8.33
